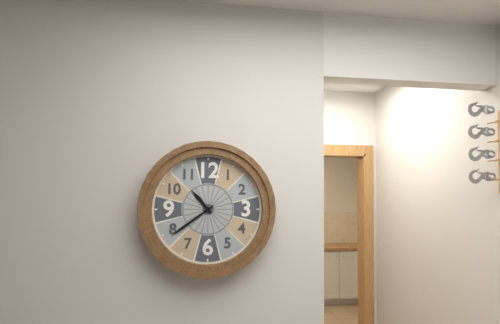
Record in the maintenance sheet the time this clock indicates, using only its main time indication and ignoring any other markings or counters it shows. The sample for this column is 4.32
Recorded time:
10.39
